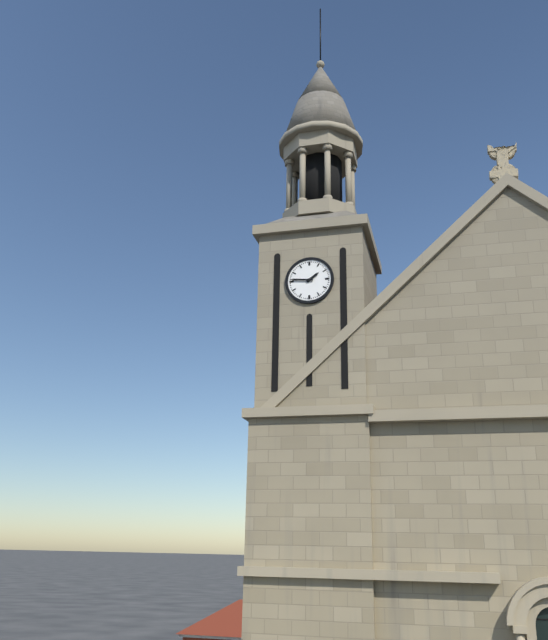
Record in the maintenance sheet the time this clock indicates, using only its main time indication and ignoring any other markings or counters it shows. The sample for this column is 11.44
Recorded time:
1.46
